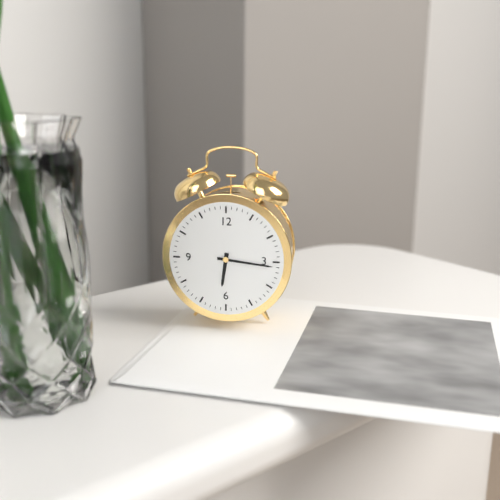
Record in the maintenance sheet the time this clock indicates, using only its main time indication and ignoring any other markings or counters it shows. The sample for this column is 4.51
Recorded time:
6.16
